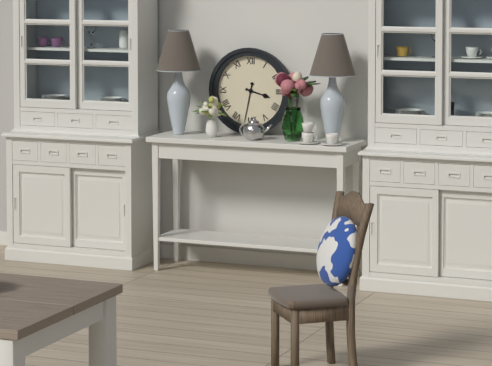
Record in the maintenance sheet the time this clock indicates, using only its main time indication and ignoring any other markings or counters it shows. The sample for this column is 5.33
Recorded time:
3.32
